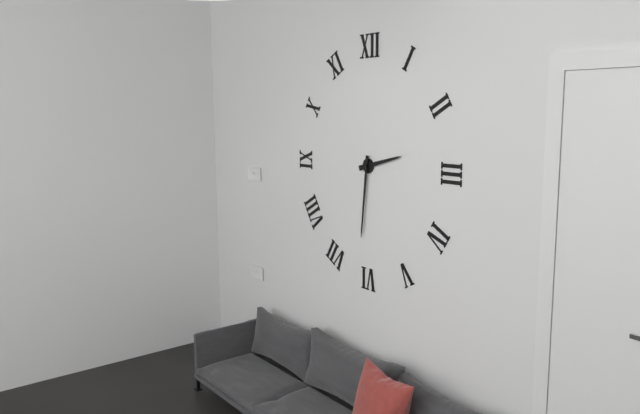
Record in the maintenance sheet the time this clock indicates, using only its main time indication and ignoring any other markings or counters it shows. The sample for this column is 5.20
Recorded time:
2.31
